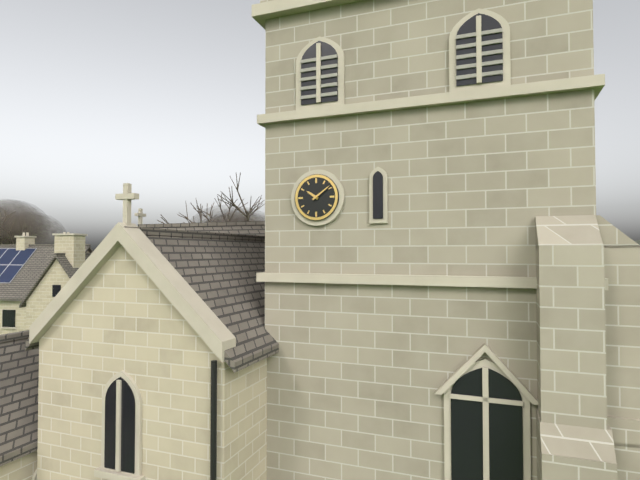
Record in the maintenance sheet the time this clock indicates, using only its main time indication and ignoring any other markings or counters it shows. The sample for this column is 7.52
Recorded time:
10.09
